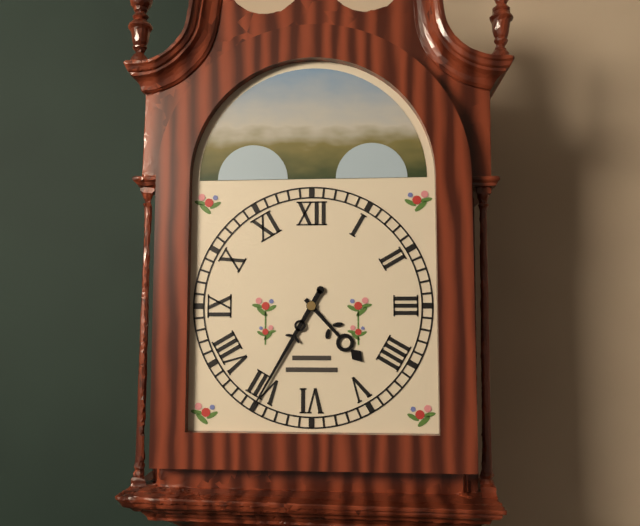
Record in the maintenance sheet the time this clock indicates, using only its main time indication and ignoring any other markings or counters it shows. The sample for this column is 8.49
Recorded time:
4.35
